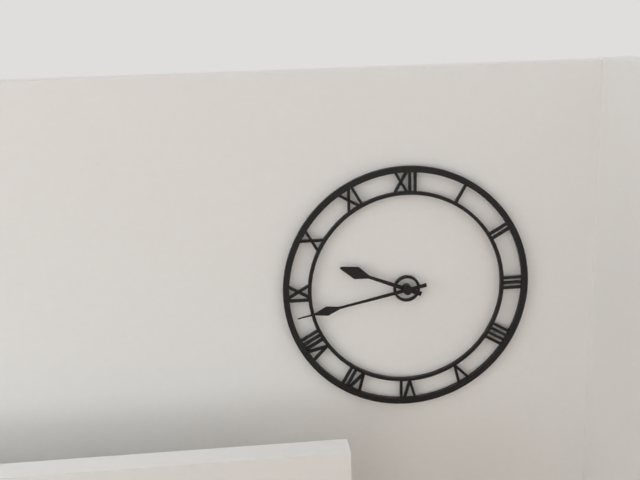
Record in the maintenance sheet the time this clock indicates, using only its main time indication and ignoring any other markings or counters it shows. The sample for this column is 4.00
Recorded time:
9.43
